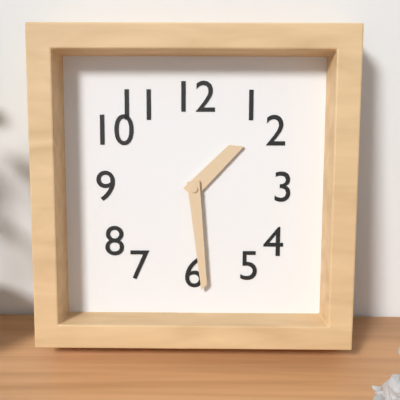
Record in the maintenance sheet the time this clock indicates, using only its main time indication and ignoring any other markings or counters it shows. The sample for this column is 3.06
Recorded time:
1.29
